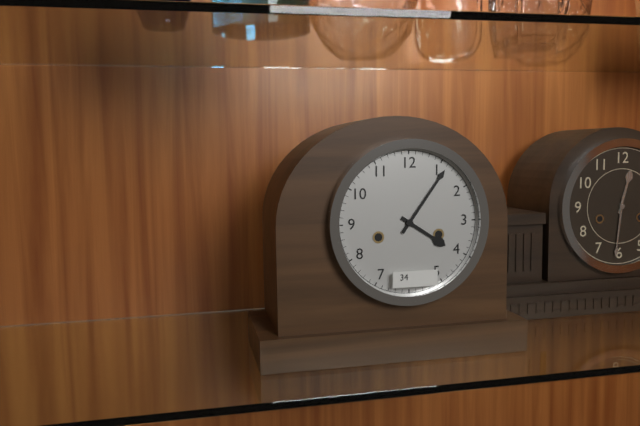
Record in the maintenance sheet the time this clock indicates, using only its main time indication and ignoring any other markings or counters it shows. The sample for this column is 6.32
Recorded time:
4.06
